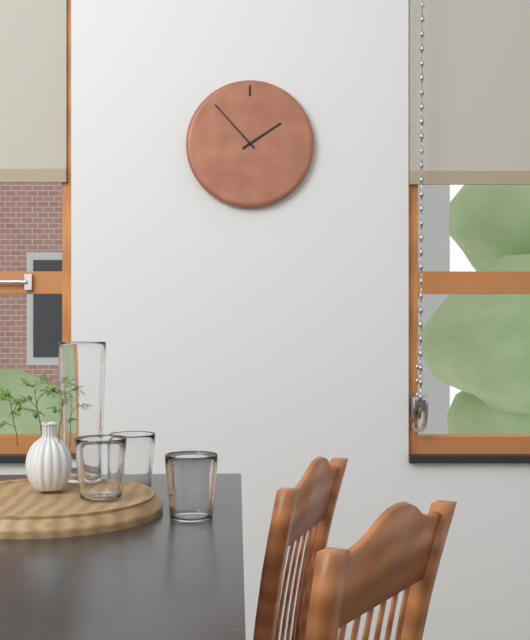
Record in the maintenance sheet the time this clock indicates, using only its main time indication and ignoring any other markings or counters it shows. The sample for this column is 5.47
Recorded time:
1.53
